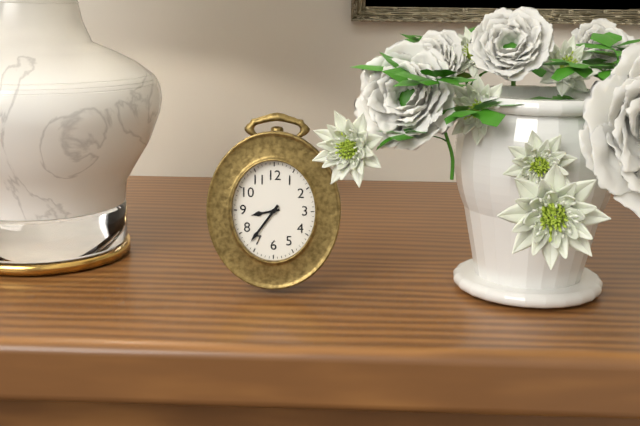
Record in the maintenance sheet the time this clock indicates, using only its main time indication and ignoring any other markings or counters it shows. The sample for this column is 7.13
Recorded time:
8.36
